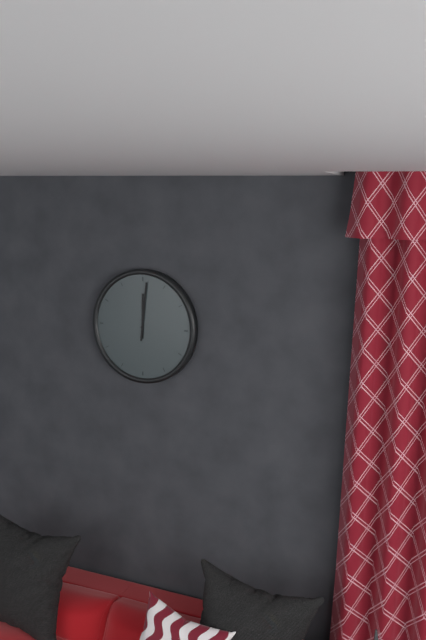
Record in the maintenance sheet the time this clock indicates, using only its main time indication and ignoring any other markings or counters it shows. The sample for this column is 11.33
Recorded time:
12.01
